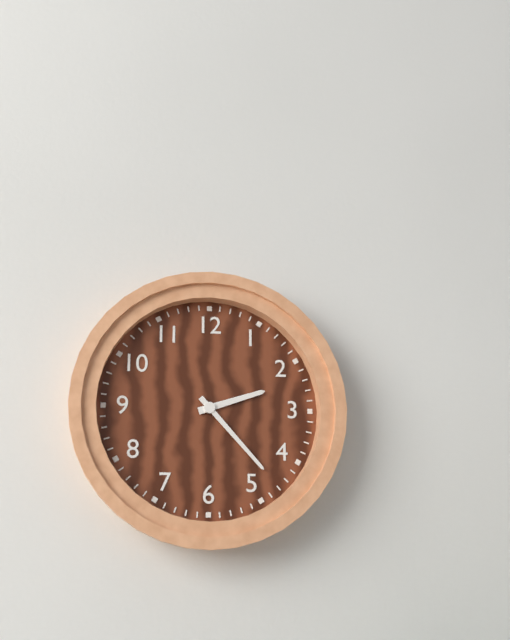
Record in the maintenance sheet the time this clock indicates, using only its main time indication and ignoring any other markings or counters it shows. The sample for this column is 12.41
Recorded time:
2.23
